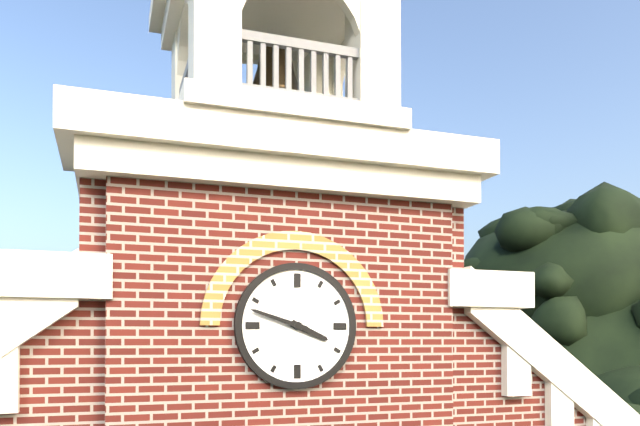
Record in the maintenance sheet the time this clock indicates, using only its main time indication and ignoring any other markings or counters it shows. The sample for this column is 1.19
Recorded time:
3.48
